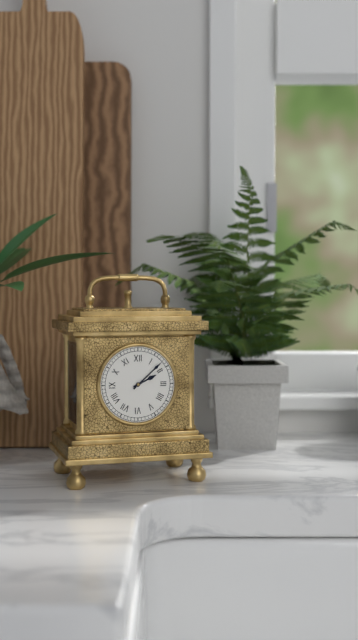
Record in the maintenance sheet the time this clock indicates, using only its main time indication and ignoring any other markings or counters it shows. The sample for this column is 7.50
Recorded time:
2.08
